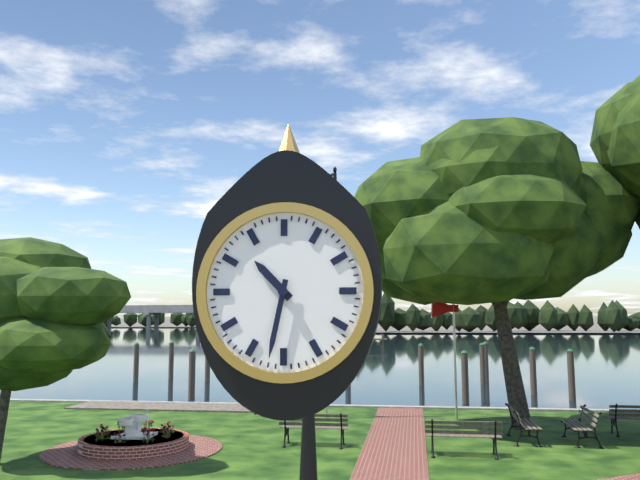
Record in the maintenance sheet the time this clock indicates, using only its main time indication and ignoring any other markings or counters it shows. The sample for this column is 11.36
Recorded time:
10.32
